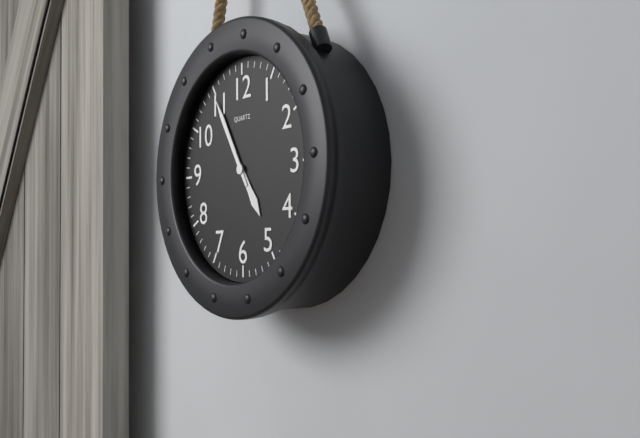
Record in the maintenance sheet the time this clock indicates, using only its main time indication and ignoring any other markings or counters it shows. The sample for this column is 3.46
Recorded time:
4.55
